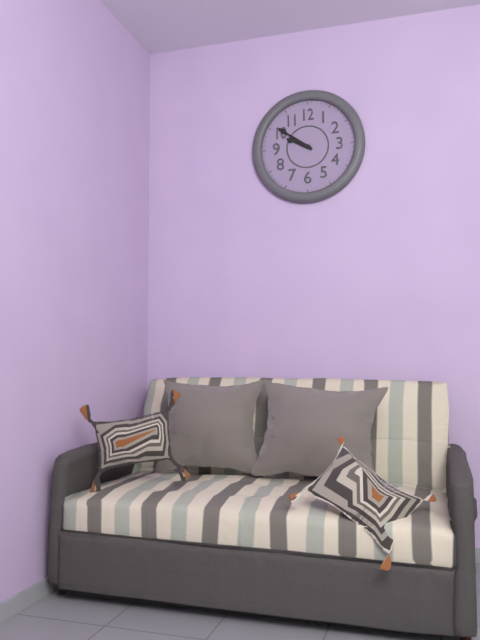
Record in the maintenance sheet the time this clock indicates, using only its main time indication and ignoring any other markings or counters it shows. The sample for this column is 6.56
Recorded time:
9.51
